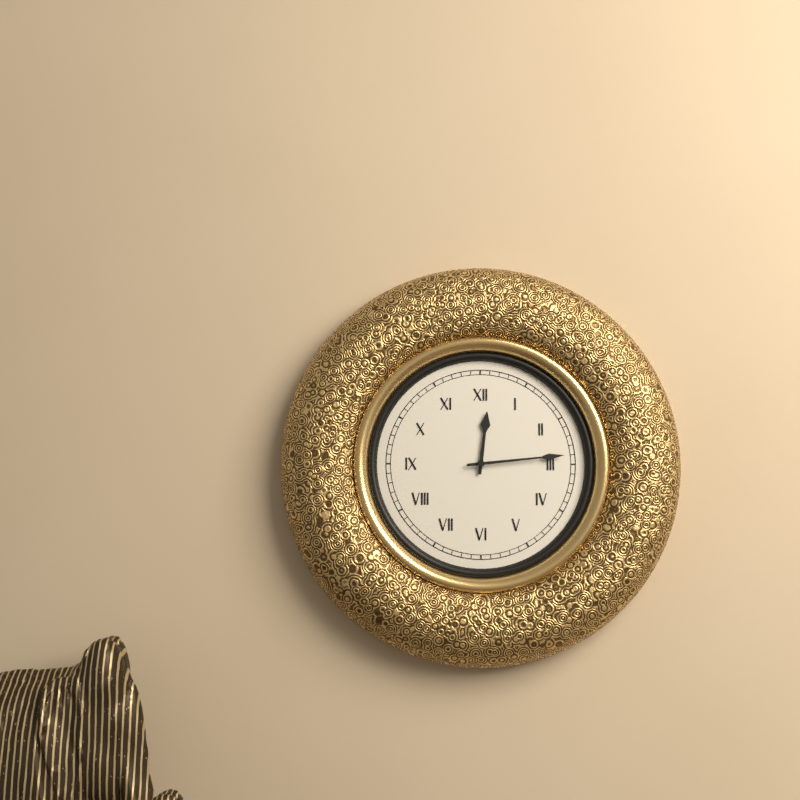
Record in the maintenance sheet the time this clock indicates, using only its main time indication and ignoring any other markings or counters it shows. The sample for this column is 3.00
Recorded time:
12.14
